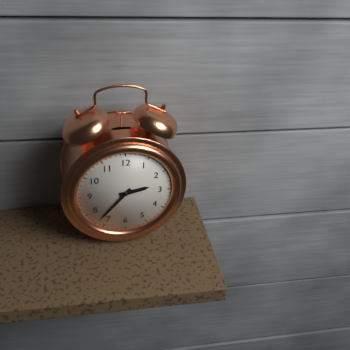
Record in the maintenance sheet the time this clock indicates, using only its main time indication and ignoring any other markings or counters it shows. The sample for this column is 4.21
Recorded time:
2.37
